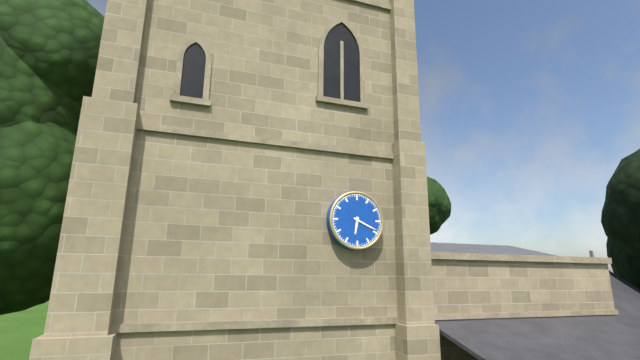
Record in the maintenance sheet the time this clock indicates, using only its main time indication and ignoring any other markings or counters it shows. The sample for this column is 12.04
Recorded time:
6.19
